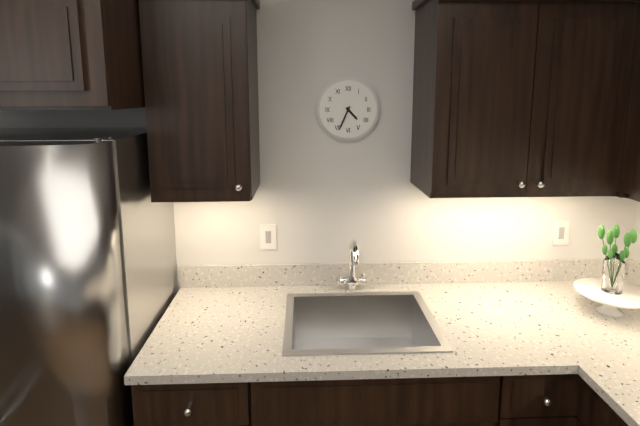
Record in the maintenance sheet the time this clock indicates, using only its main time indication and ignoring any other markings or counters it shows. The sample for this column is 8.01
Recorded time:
4.34
